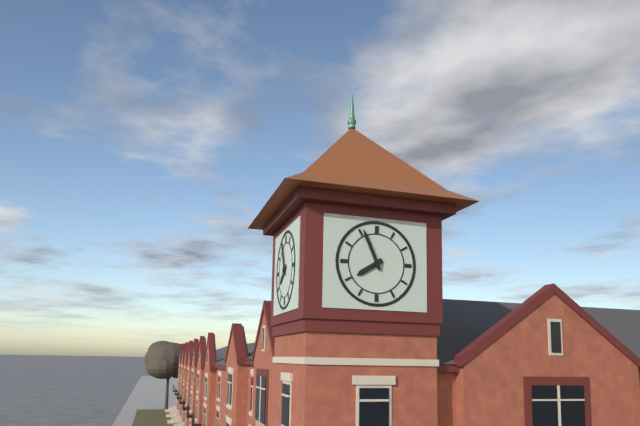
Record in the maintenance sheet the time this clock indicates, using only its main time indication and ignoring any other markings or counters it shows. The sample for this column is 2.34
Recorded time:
7.56
